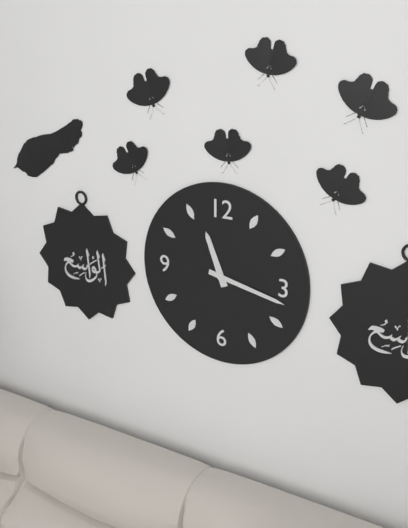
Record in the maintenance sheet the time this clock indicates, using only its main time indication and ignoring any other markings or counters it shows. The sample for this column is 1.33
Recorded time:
11.17
